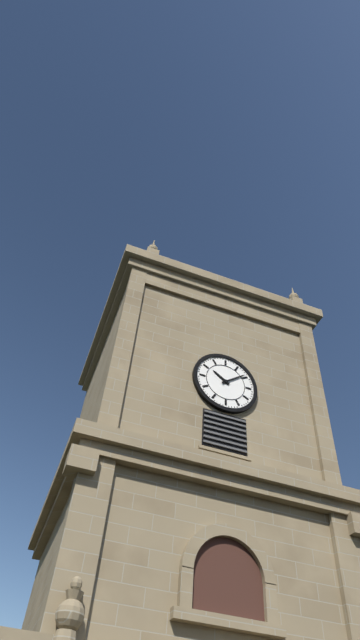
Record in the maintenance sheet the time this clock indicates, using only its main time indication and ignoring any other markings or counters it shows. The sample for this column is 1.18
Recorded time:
10.09
